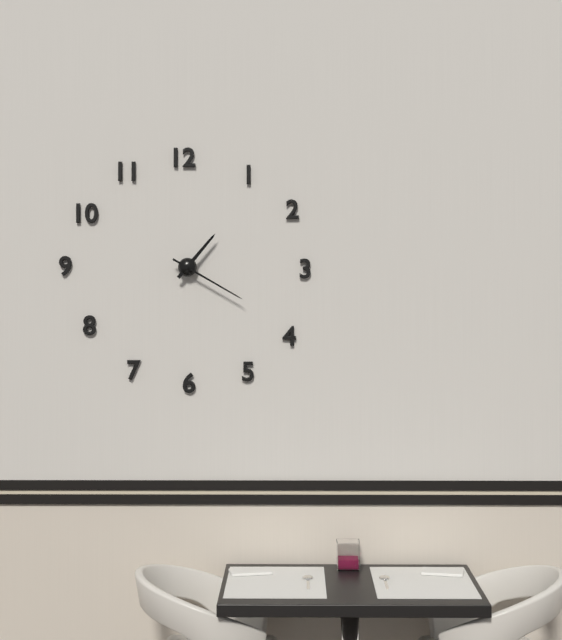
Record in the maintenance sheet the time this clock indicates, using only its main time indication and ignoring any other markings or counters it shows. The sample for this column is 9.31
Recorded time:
1.20
